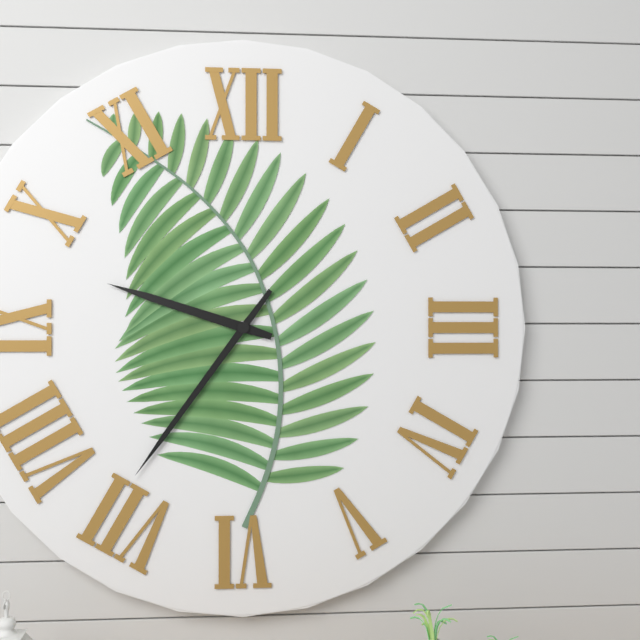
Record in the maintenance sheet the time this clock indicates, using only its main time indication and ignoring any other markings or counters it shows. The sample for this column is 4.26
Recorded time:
9.36
